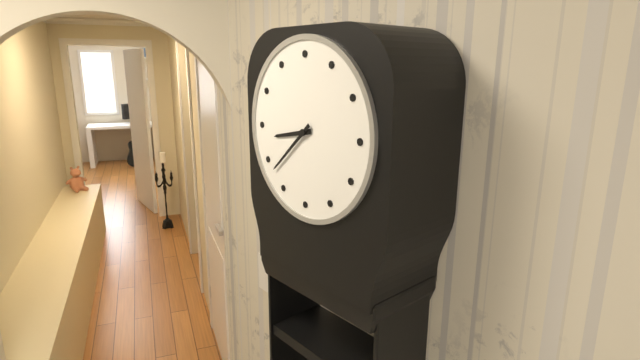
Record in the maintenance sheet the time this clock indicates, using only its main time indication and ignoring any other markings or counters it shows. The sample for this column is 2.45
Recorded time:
8.38
